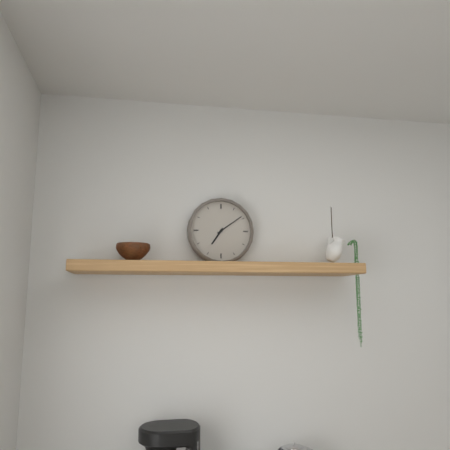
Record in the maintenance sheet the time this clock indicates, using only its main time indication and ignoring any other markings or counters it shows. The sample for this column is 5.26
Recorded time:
7.09
